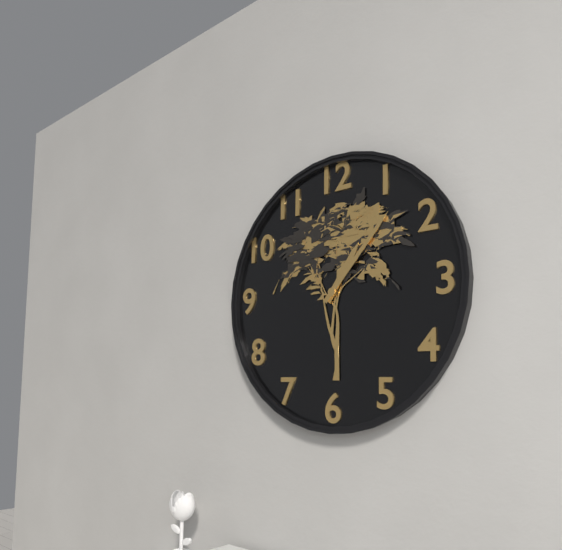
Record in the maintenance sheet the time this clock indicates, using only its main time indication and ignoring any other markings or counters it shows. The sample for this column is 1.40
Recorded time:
1.07
